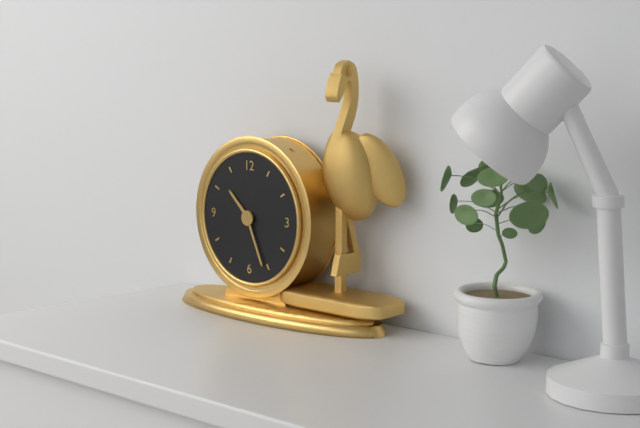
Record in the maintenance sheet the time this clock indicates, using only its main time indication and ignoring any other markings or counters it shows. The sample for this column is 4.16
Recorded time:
10.26
